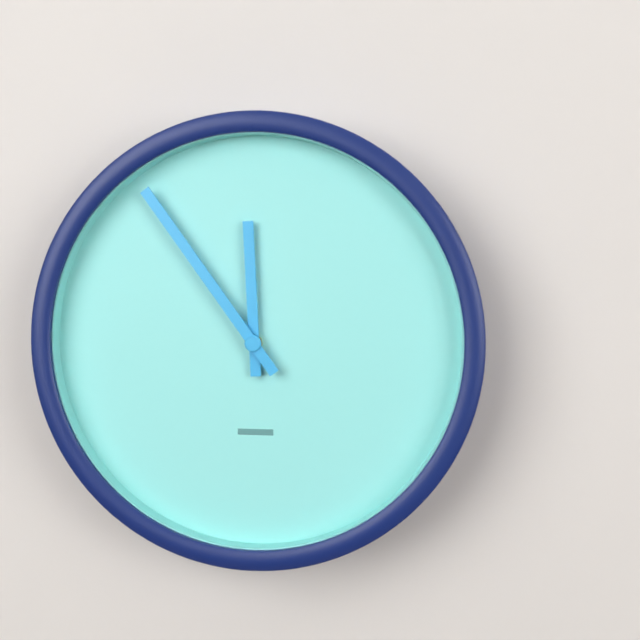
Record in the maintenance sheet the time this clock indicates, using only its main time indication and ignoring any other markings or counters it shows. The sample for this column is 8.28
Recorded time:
11.54
